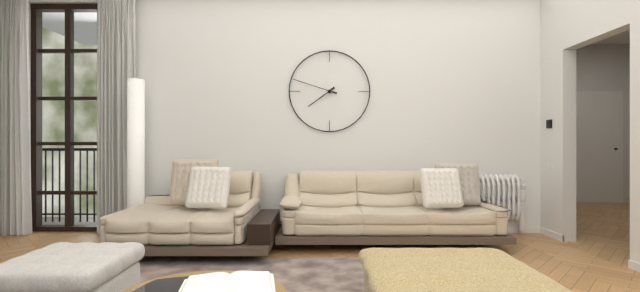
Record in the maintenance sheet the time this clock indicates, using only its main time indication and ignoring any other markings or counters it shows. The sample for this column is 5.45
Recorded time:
7.48
